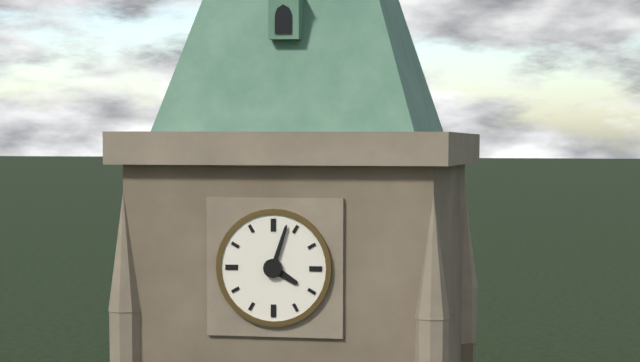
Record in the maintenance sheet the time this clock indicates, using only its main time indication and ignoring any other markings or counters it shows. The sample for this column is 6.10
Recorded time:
4.03
